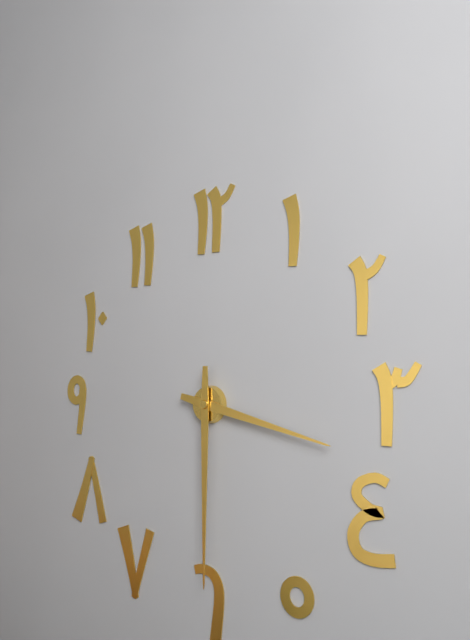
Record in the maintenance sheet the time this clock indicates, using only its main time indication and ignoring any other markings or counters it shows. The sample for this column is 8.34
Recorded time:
3.30
